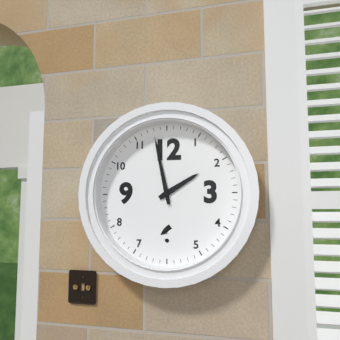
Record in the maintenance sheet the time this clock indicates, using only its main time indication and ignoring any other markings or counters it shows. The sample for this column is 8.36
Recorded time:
1.58
